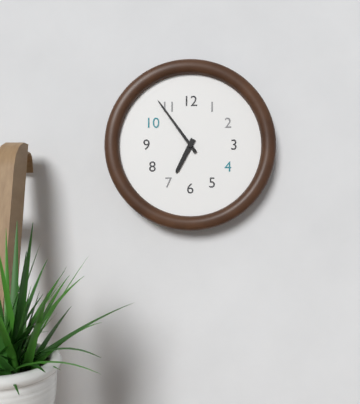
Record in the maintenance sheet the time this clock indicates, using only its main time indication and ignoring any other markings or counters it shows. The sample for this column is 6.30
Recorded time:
6.54
